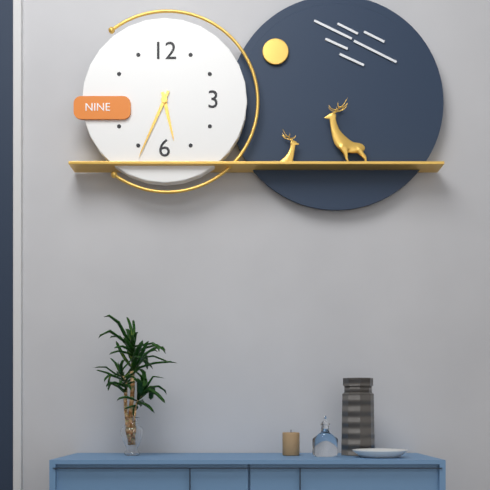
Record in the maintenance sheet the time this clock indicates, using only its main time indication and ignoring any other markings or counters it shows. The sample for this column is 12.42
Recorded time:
5.34
